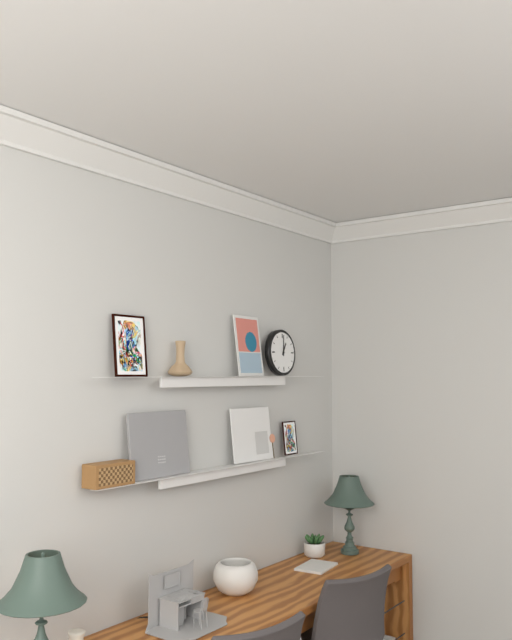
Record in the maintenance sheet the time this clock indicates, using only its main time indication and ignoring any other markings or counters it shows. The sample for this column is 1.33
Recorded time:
1.01
